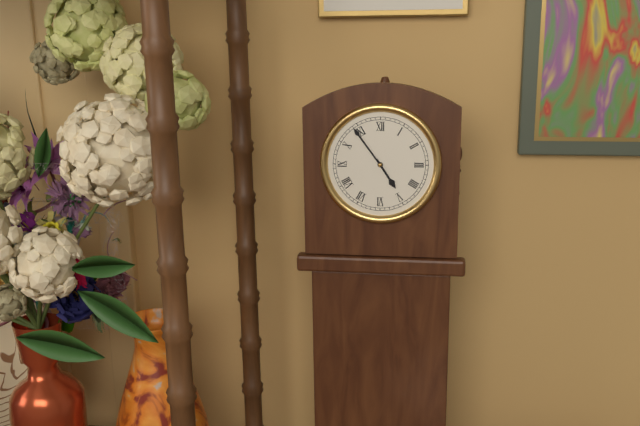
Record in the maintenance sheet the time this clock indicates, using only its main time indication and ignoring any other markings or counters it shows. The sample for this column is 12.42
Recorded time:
4.54
